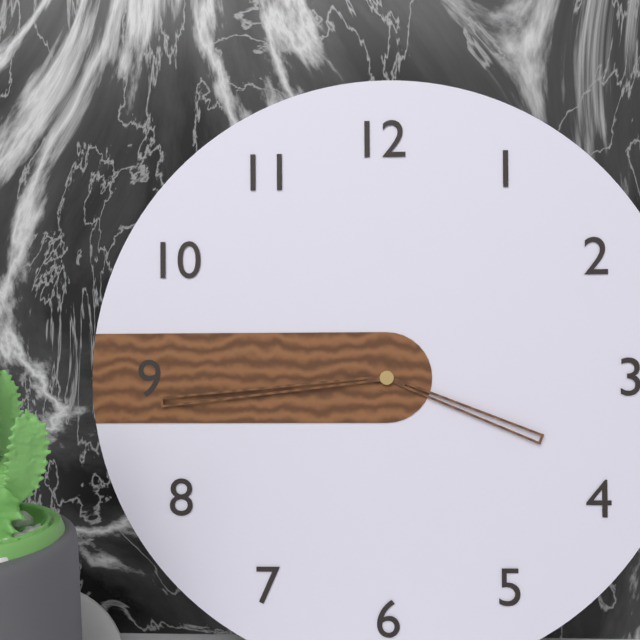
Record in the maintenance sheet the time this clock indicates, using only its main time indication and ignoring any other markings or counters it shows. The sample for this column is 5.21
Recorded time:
3.44
